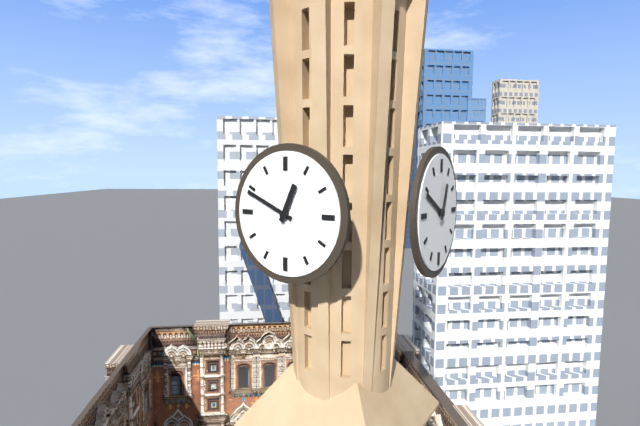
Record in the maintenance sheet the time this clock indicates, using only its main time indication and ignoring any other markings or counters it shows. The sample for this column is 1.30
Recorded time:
12.49
